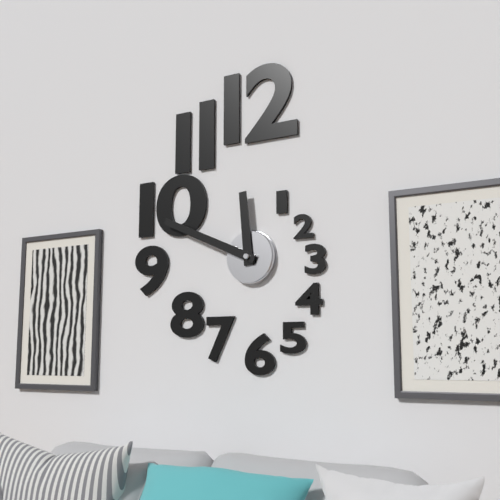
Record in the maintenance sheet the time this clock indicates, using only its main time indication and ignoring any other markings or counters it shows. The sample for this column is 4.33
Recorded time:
11.49
